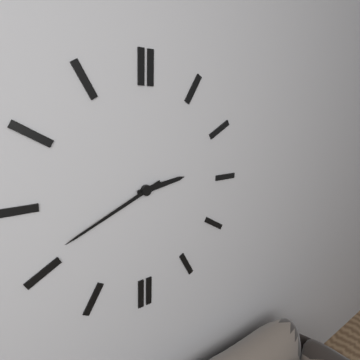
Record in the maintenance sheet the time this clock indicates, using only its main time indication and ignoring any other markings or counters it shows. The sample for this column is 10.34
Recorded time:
2.41
